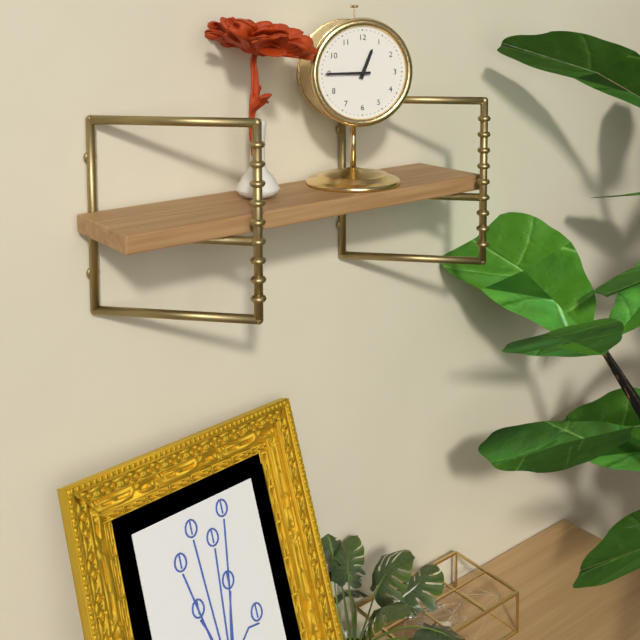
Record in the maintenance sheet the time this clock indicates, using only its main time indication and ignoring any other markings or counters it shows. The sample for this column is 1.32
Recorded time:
12.45
